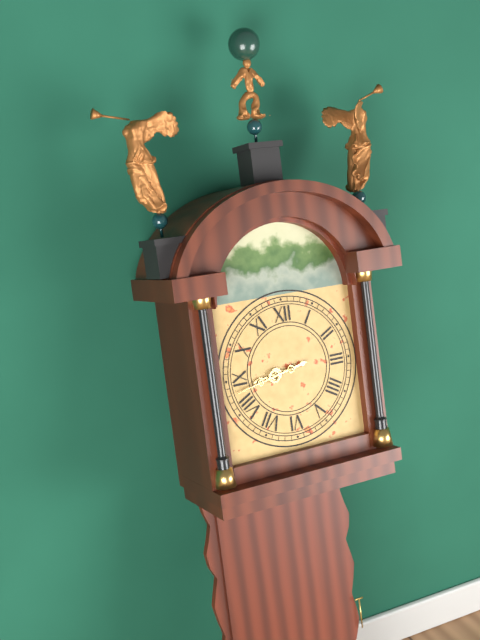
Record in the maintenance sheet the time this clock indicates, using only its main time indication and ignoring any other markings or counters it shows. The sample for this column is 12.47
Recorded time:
8.43
